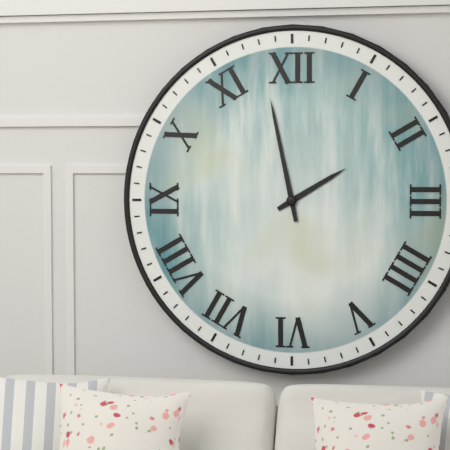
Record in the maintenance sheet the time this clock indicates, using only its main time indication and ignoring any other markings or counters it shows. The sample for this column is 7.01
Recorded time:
1.58
